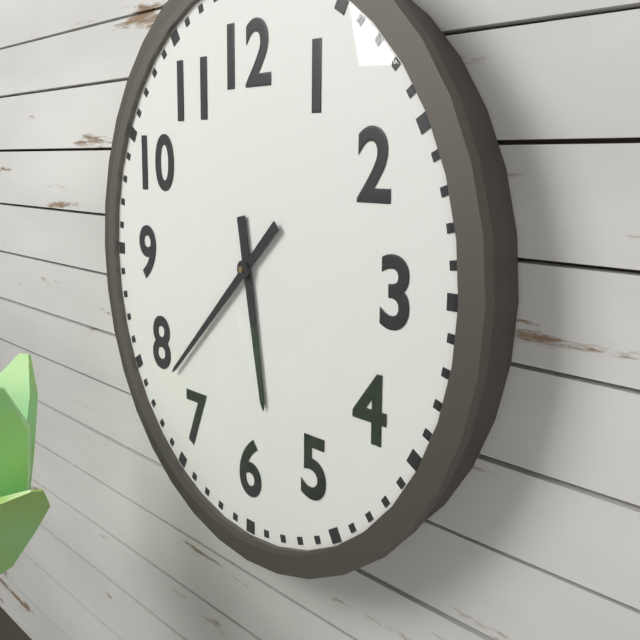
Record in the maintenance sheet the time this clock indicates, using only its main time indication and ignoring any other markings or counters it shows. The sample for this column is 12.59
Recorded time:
5.38
